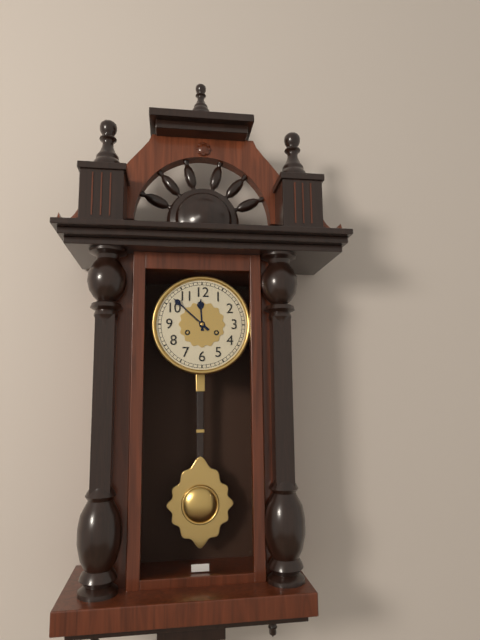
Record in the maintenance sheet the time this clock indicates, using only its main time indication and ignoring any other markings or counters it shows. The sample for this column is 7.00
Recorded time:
11.52
